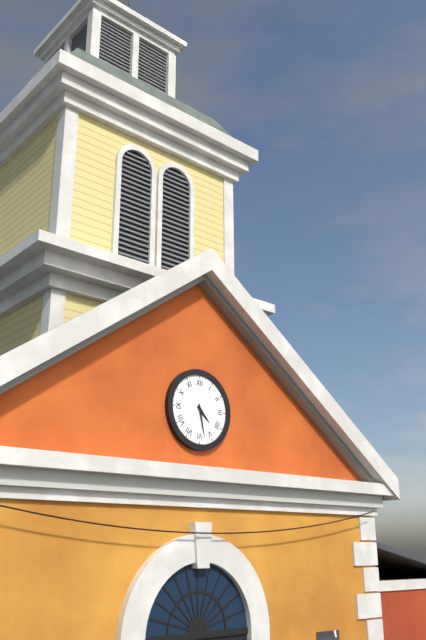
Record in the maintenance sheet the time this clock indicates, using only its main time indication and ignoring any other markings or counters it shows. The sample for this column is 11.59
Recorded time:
4.28
